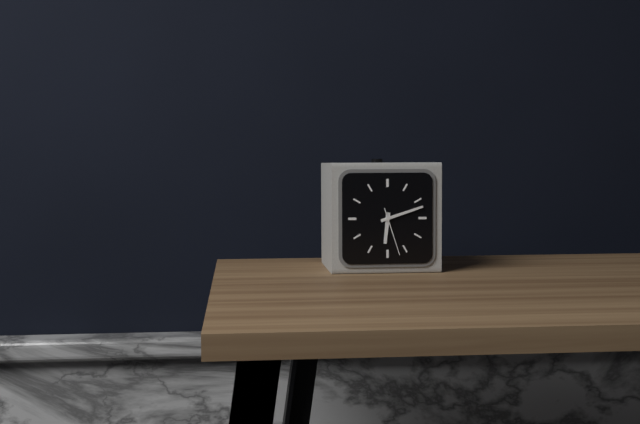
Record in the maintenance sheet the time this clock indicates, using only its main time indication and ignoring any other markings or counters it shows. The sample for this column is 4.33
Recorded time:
6.12
